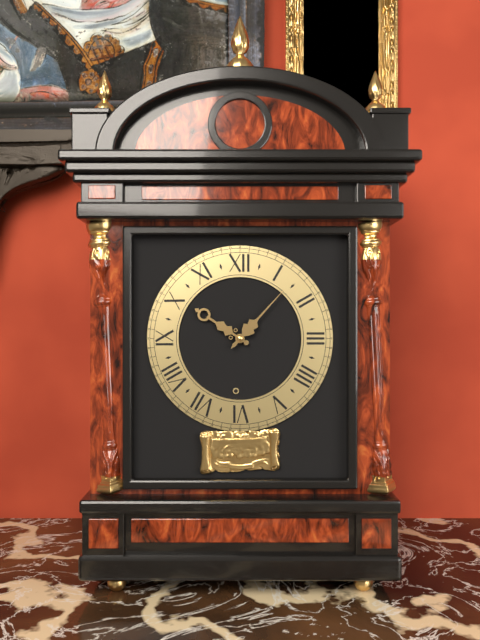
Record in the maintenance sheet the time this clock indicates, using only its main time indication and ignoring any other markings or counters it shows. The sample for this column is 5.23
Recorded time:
10.07
